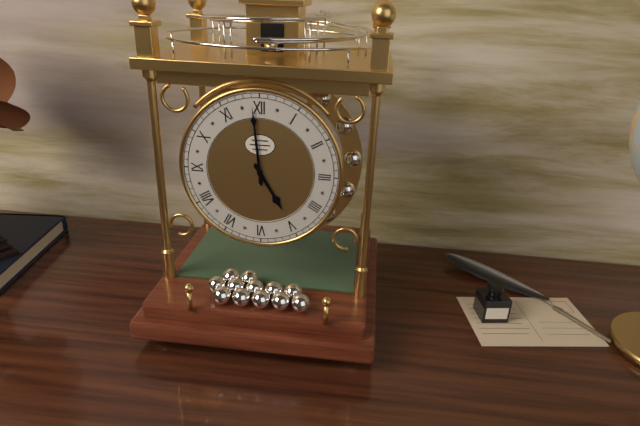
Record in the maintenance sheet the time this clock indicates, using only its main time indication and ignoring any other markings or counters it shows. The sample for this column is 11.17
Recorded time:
4.59
